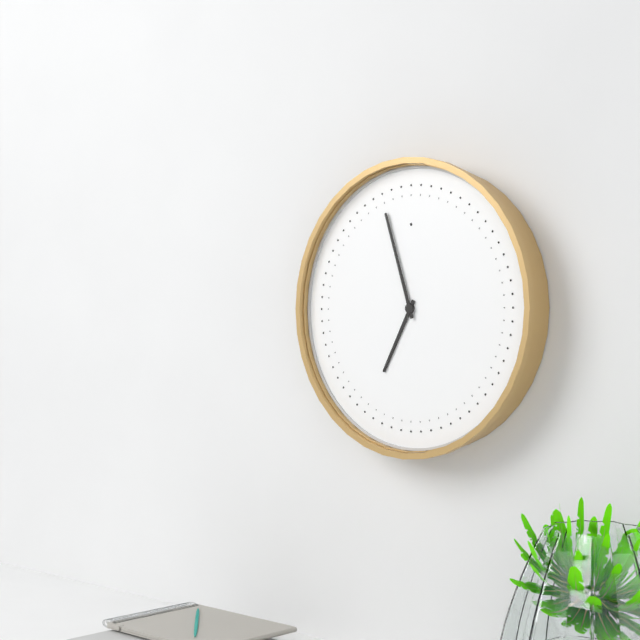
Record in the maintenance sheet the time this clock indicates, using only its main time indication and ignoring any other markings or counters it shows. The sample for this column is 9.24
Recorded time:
6.57
